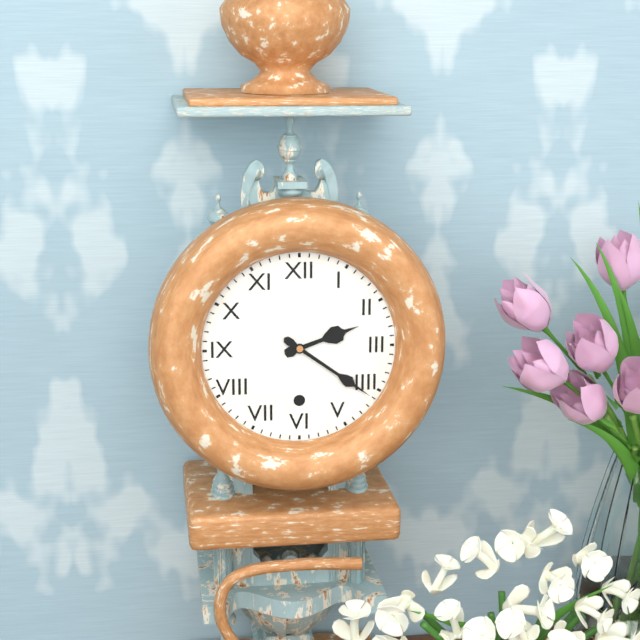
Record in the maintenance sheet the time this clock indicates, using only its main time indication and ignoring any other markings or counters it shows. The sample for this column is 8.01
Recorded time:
2.21
